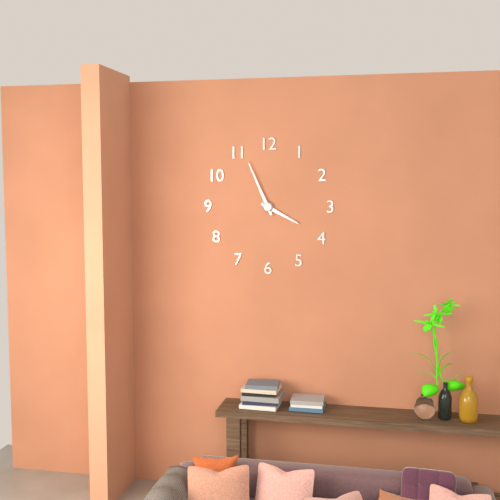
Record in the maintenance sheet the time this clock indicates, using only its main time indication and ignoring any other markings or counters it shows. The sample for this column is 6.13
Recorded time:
3.56
